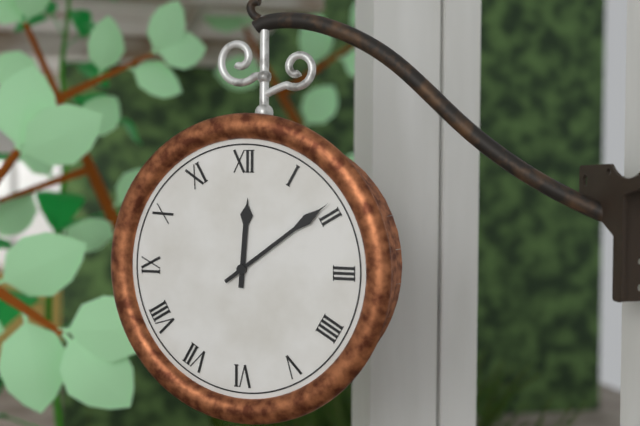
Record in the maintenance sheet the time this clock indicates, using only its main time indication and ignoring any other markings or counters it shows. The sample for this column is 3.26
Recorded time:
12.09
